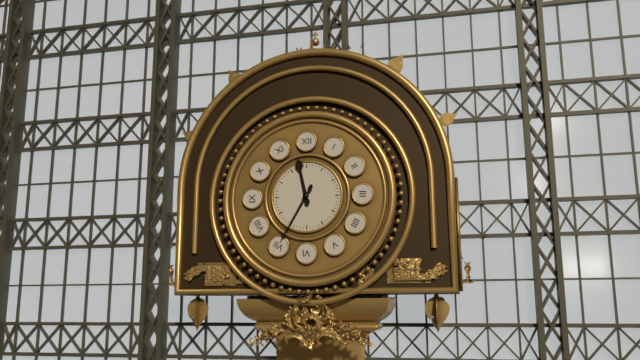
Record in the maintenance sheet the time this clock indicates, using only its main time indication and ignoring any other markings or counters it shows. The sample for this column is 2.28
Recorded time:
11.35
